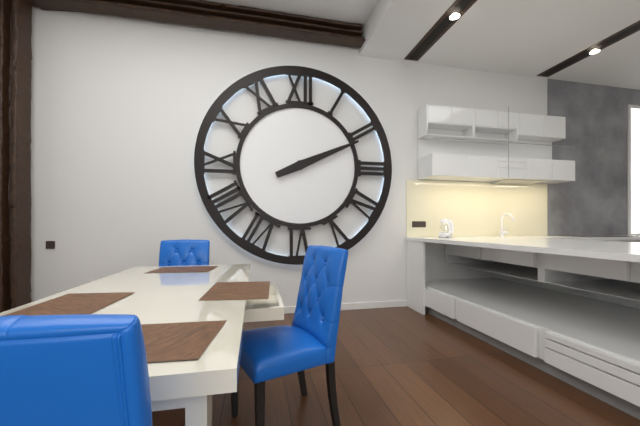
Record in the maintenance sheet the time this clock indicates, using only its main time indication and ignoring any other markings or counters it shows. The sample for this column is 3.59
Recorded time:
2.11
